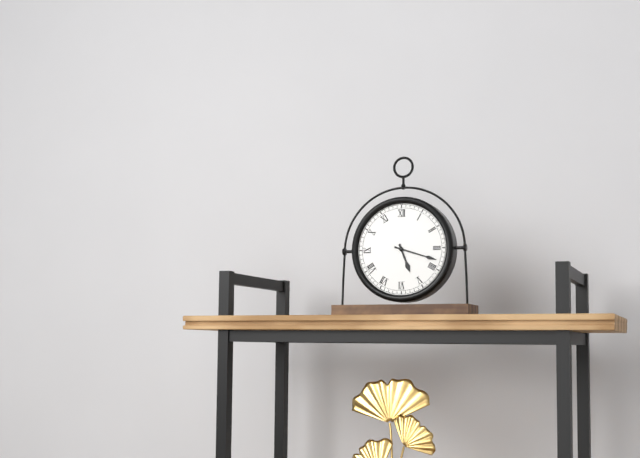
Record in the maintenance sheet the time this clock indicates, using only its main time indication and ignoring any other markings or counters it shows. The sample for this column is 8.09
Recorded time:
5.18
